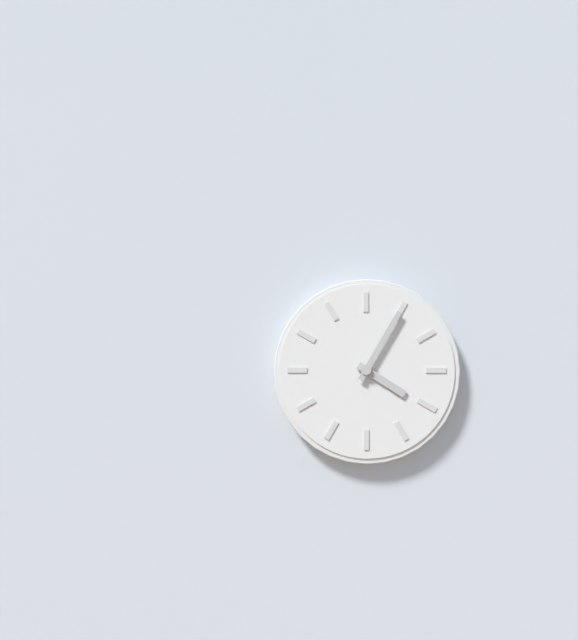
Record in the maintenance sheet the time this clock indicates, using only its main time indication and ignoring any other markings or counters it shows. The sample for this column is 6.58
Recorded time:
4.05
